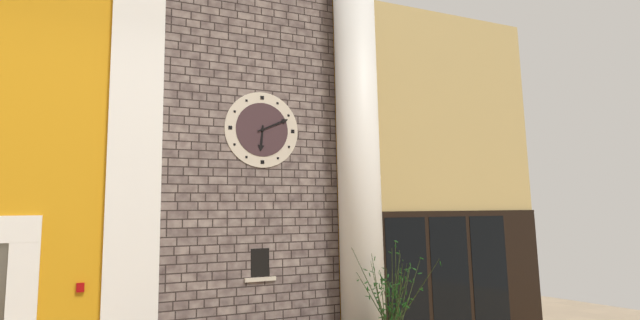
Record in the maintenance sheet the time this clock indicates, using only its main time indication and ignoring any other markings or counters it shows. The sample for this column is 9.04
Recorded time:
6.11
